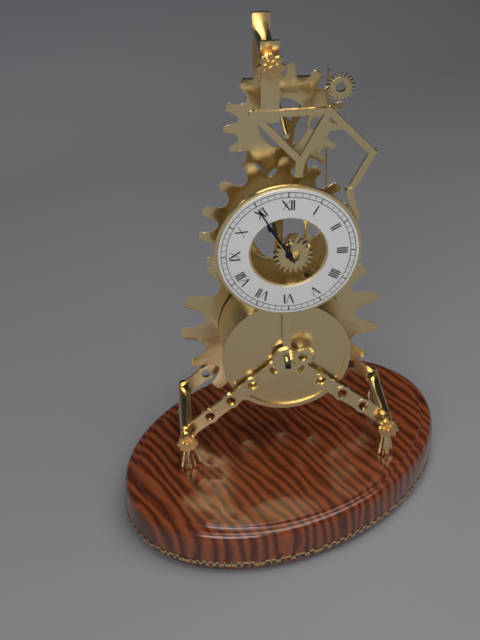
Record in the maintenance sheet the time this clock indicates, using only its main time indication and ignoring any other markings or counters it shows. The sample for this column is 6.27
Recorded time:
10.55
